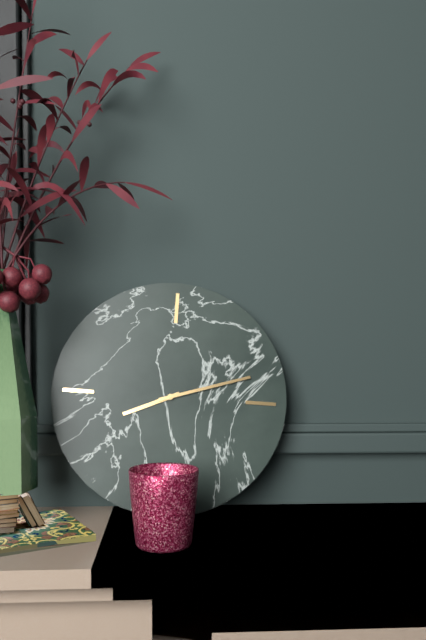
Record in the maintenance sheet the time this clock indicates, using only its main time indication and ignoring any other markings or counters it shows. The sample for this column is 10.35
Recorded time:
8.12
